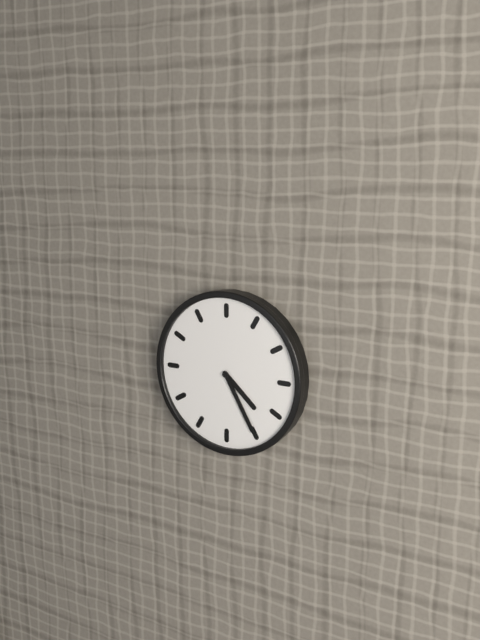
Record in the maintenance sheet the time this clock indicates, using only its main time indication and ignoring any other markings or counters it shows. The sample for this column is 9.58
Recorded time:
4.25
